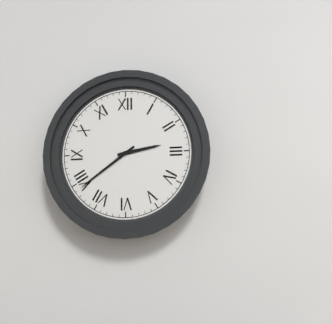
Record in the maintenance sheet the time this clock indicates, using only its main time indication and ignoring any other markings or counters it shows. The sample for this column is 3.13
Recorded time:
2.39
